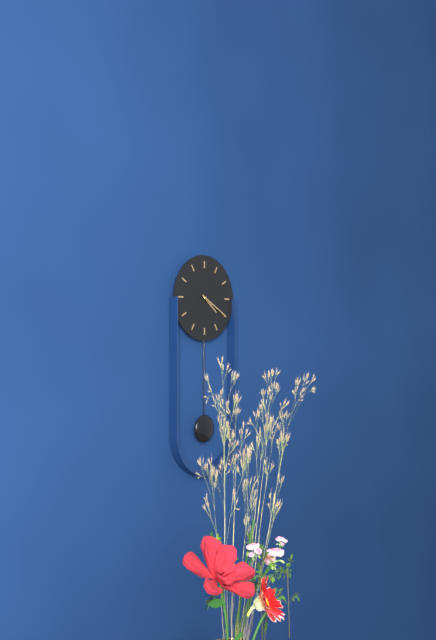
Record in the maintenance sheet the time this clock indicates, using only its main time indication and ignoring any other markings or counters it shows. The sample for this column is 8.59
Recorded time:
4.20
